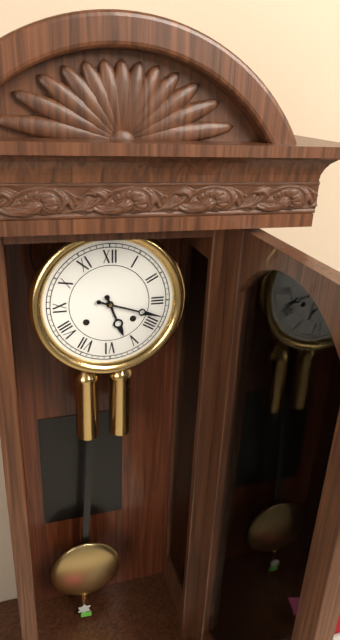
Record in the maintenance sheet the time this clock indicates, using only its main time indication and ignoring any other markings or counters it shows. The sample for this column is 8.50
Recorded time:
5.18
